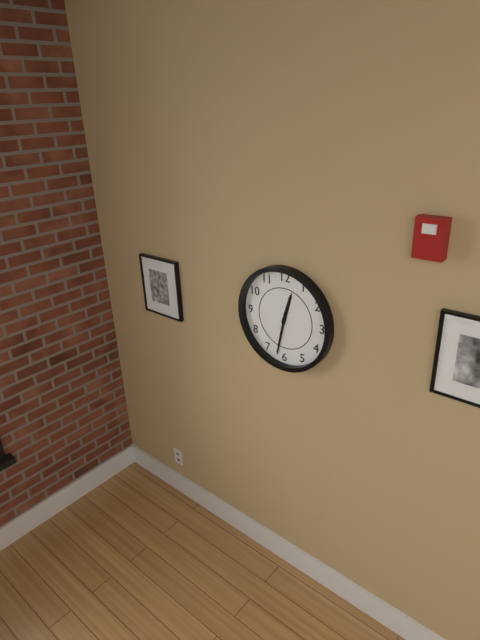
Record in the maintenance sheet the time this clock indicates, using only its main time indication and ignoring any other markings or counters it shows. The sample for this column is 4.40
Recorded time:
12.32
